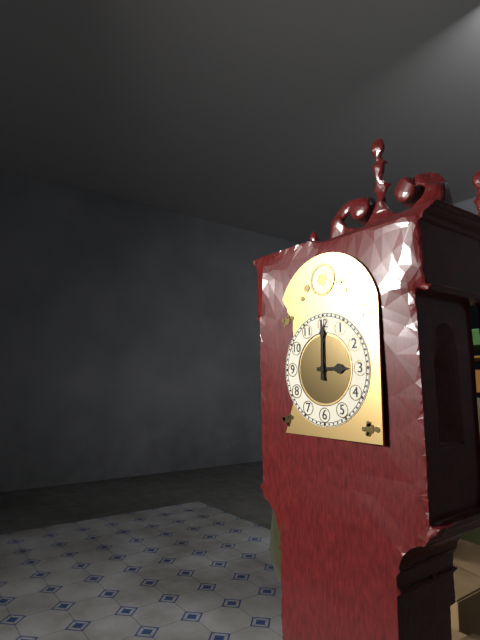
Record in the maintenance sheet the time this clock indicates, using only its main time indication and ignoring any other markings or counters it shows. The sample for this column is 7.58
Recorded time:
3.00
